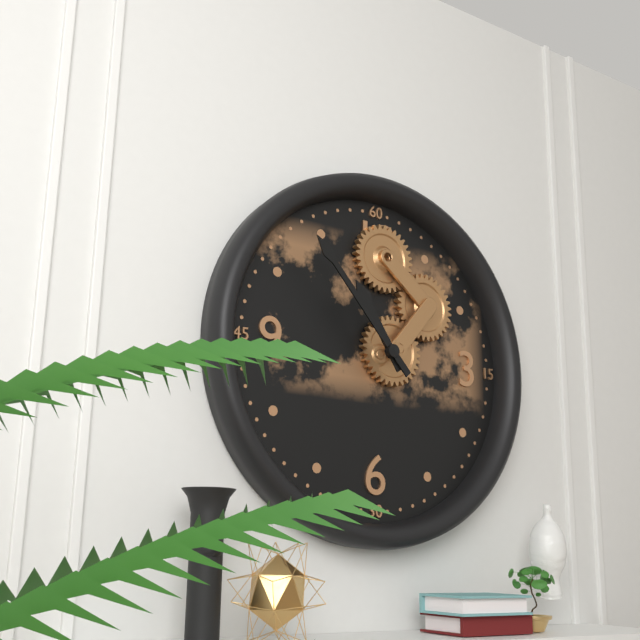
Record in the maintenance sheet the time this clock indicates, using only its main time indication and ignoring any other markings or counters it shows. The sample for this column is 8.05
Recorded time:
10.53
